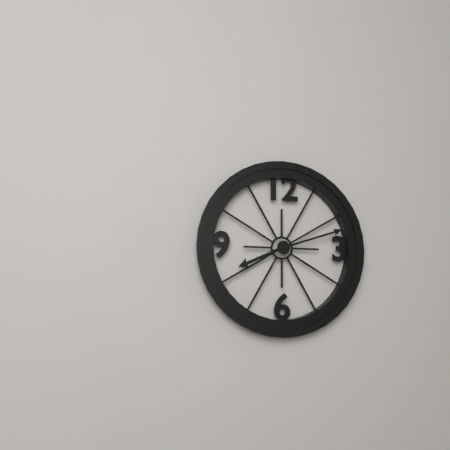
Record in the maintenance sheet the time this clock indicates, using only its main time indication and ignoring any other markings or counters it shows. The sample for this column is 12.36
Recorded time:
8.12
